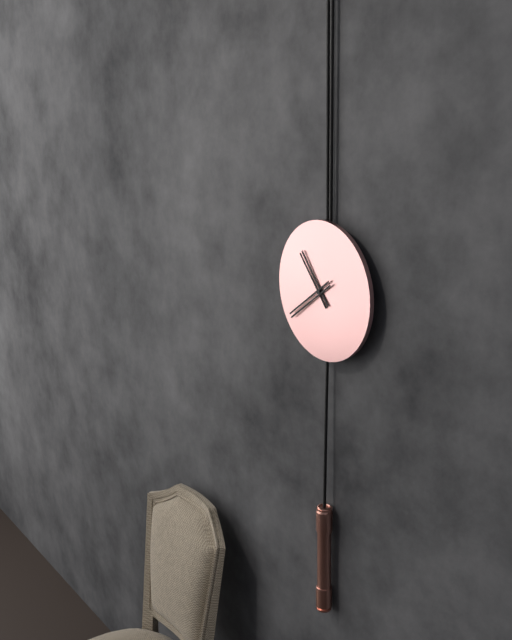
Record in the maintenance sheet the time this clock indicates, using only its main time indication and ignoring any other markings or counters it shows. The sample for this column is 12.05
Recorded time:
10.39
